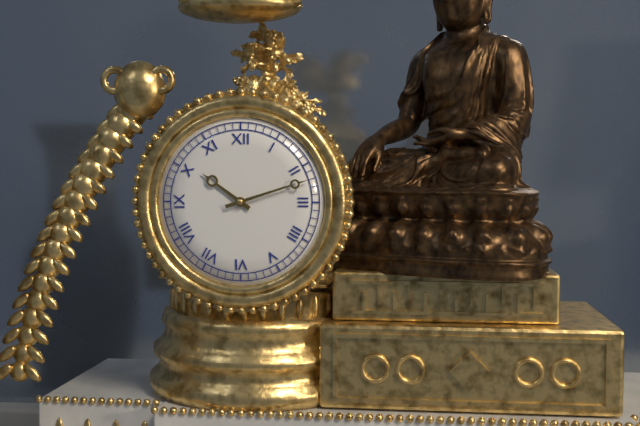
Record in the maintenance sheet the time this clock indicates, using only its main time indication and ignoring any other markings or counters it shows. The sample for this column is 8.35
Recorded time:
10.12
